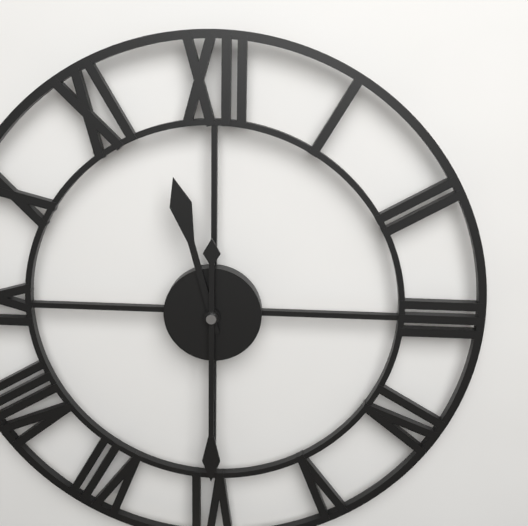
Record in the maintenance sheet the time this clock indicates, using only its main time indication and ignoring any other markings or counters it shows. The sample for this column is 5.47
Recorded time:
11.30
